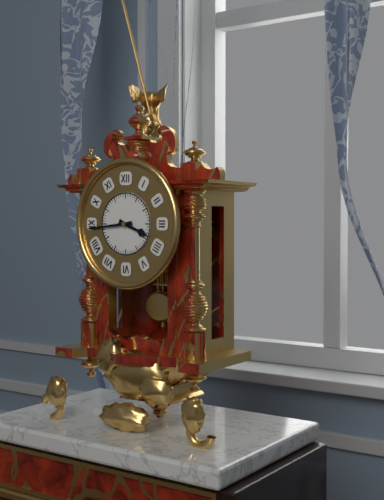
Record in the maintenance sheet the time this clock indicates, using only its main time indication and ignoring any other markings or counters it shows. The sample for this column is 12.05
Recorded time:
3.44
